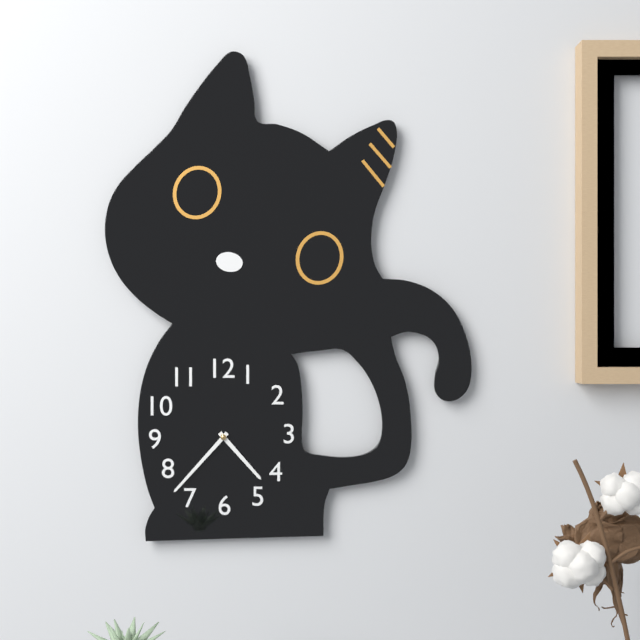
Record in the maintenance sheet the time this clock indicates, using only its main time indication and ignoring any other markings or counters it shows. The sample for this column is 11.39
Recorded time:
4.37
